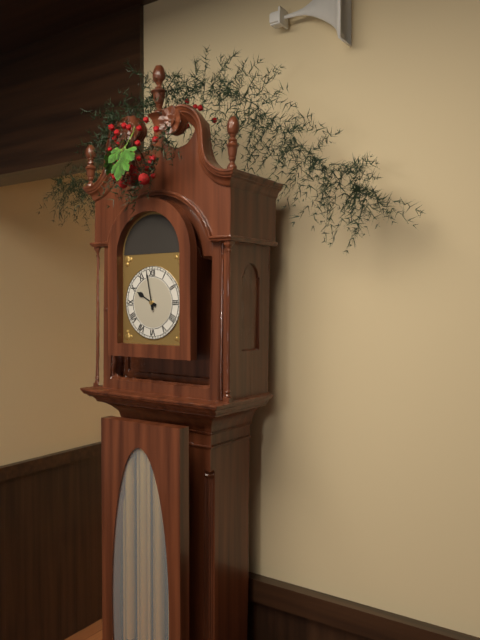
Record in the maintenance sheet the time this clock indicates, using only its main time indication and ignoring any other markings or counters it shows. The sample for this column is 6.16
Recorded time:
9.58
